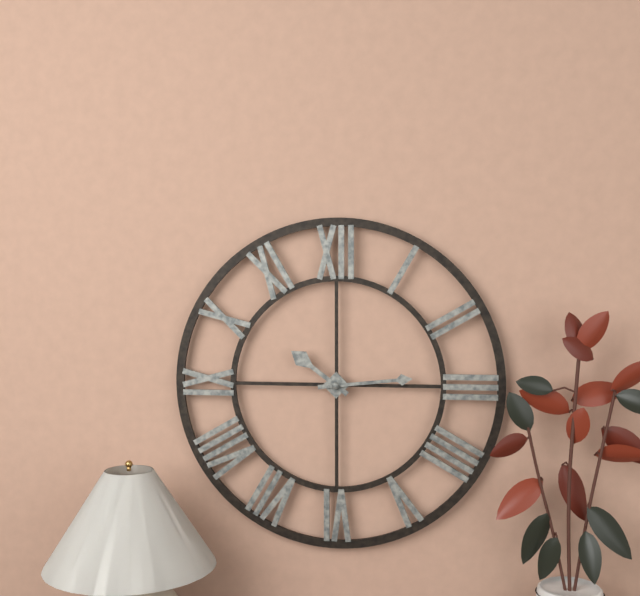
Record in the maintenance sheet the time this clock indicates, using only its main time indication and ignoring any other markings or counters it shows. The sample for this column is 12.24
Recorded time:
10.14
